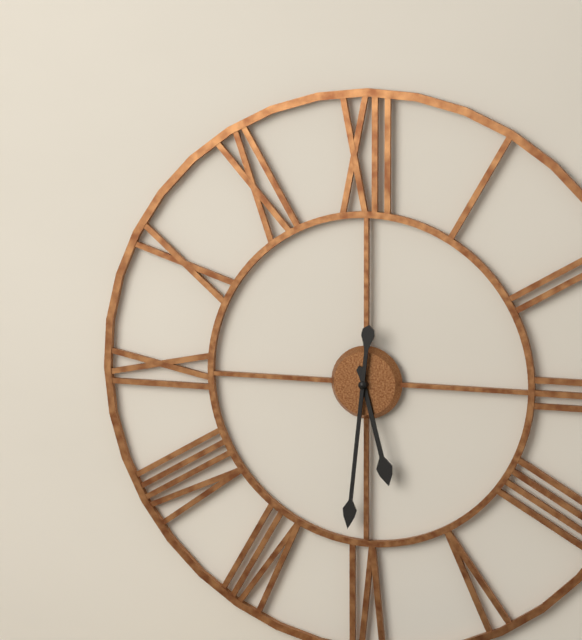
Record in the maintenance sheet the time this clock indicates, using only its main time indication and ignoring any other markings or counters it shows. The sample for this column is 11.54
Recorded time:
5.31
